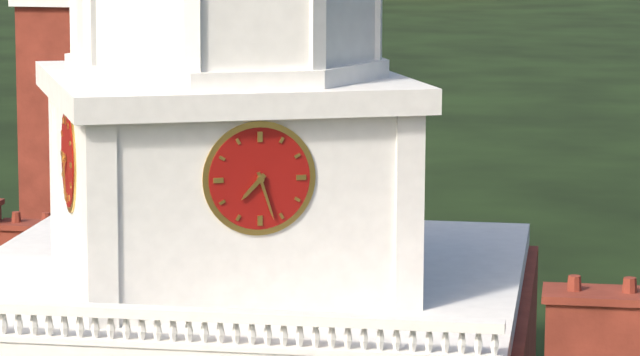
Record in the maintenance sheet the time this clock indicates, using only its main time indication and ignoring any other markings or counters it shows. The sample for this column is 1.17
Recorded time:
7.27
